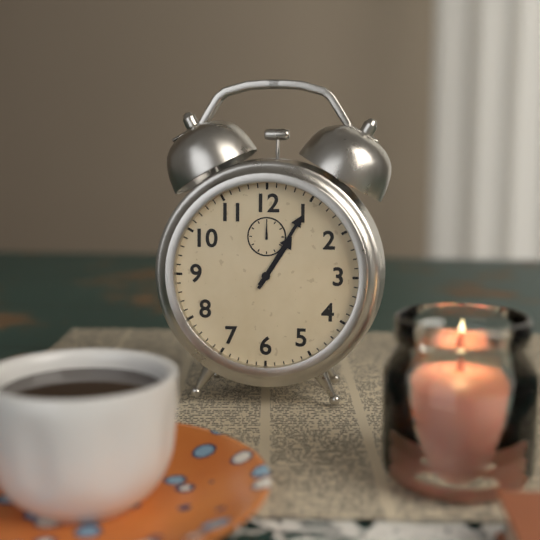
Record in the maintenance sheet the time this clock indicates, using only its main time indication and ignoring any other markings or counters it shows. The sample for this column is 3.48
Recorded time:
1.05
